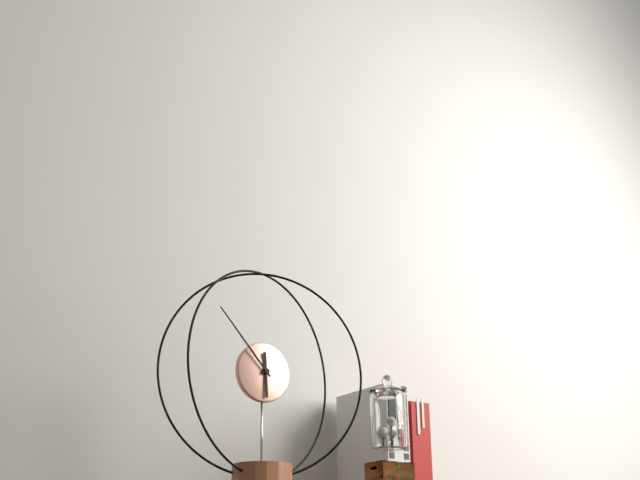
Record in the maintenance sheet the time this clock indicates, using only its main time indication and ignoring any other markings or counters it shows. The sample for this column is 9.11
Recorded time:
5.53
